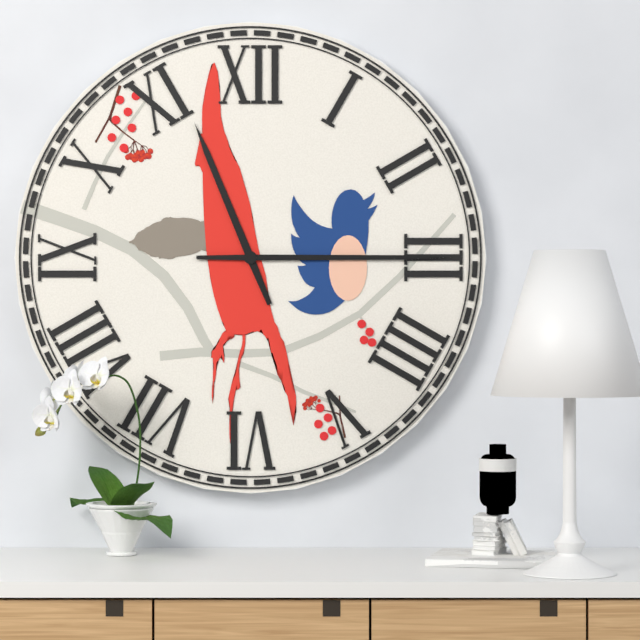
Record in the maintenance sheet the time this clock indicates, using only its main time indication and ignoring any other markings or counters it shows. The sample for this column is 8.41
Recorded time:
11.15
